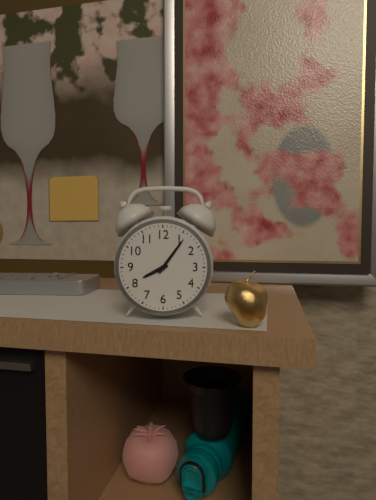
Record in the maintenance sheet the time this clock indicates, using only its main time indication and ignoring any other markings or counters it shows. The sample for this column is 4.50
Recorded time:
8.06
